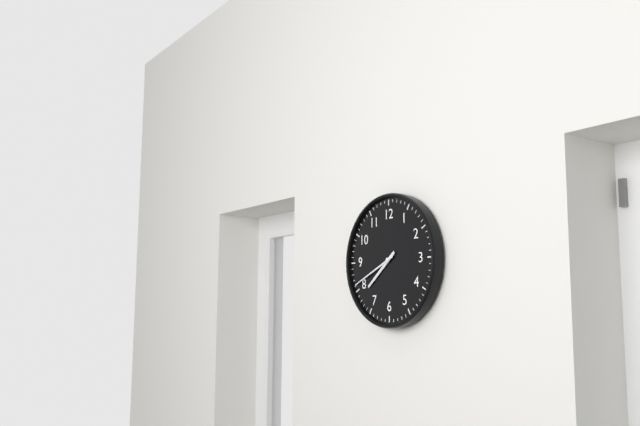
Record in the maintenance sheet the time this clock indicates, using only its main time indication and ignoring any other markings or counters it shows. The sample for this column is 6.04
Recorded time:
7.41
